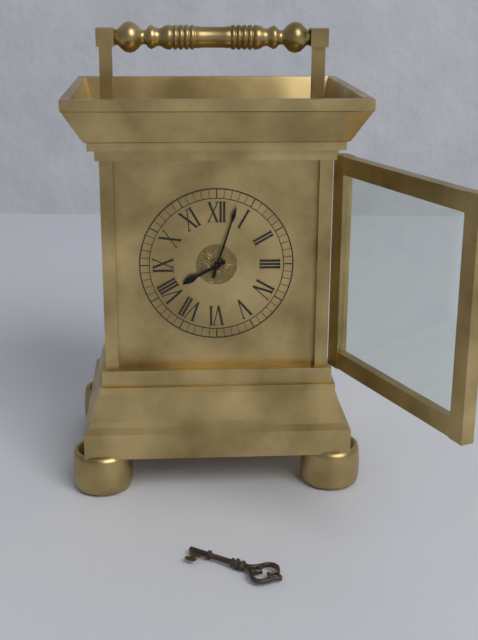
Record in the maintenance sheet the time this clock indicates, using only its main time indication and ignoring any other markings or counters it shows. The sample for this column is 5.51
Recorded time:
8.03
